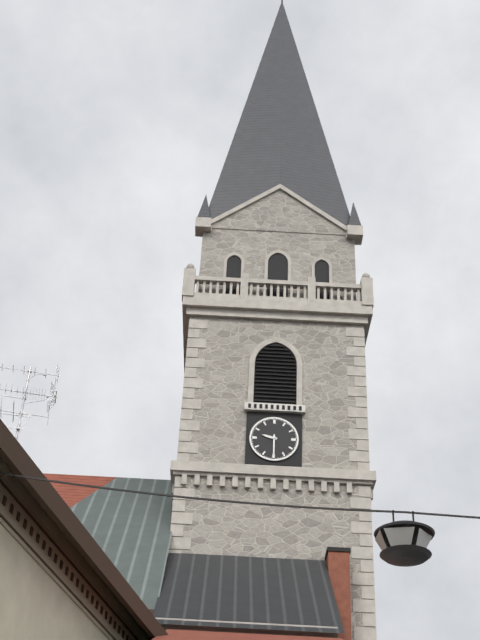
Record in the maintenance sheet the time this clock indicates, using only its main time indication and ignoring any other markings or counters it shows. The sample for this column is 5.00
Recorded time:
9.30
